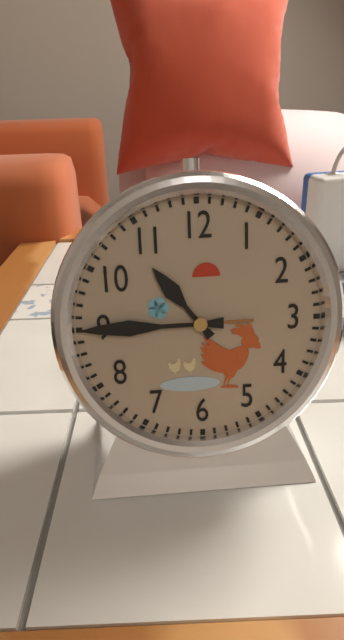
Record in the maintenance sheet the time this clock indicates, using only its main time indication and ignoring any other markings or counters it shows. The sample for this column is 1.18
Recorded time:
10.45
